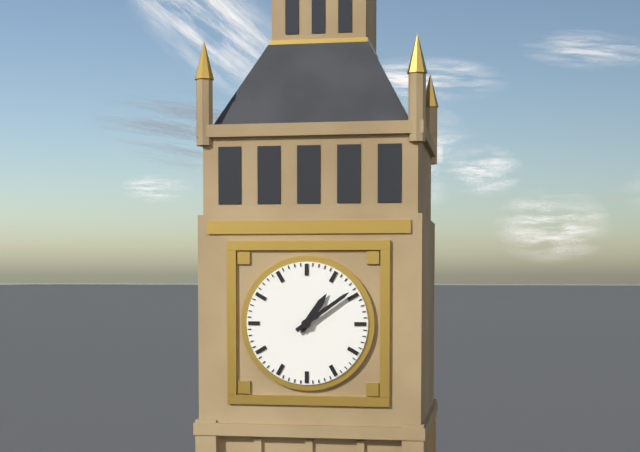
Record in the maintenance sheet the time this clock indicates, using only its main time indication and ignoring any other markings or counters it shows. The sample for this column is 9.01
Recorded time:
1.09
